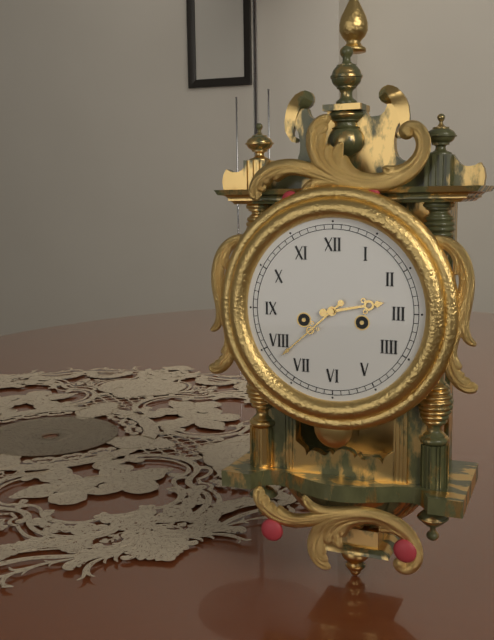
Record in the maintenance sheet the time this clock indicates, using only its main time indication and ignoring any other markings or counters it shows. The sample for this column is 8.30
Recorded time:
2.38
